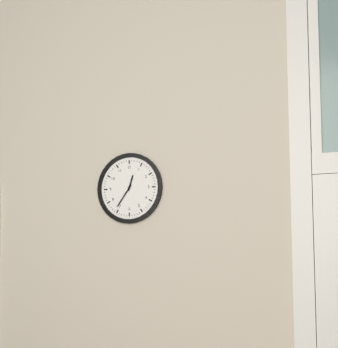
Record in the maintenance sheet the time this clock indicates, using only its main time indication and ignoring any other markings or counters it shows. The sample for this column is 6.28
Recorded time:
12.36
